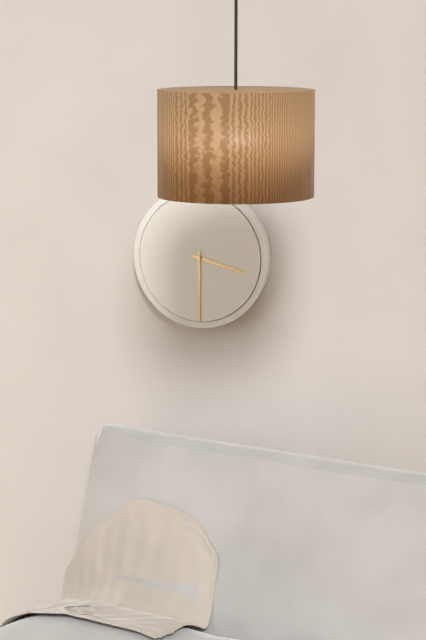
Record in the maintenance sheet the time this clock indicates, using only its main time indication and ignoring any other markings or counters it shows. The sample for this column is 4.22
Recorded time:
3.30
